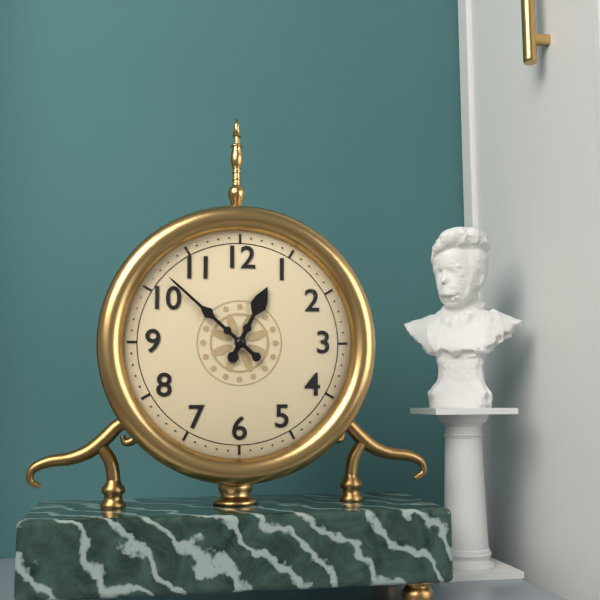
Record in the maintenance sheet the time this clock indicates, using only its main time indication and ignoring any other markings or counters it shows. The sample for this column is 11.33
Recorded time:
12.52
